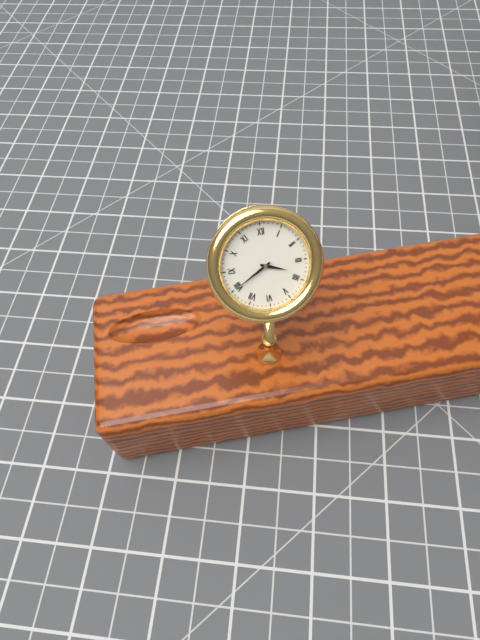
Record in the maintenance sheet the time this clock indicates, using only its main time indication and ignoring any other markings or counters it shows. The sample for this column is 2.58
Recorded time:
3.40
